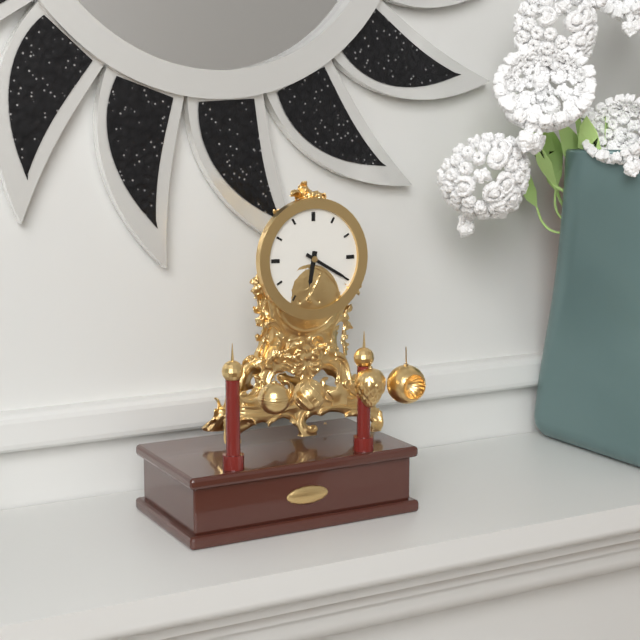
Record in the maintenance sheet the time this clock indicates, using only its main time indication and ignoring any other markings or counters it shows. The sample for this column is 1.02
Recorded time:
6.20
